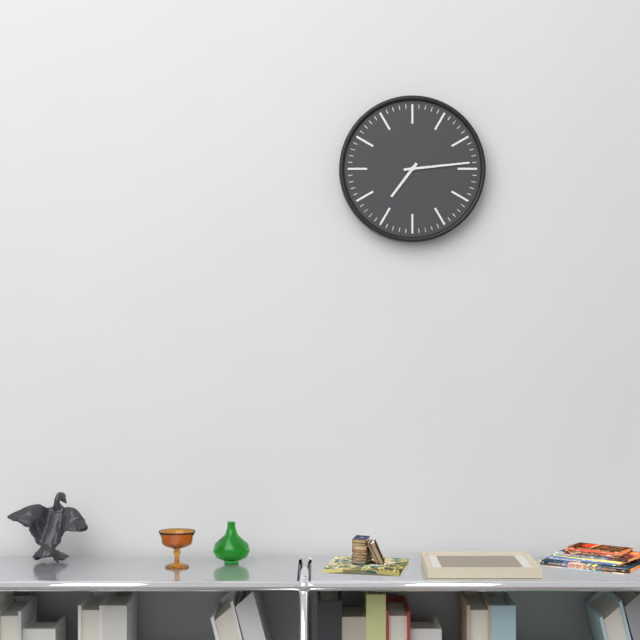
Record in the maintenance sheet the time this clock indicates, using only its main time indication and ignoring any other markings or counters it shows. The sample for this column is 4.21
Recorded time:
7.14
